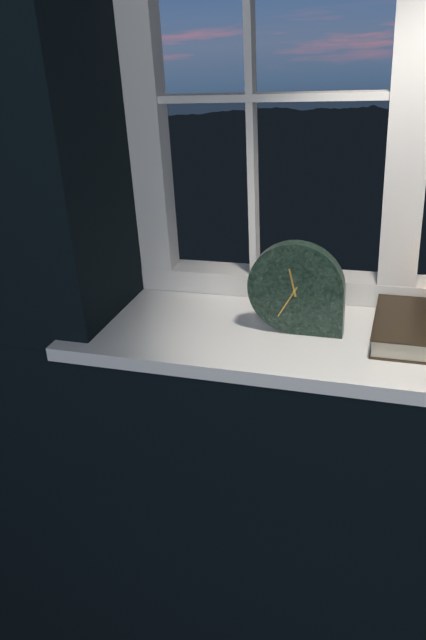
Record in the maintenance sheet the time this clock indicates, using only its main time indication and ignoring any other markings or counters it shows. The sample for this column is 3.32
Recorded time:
11.35
